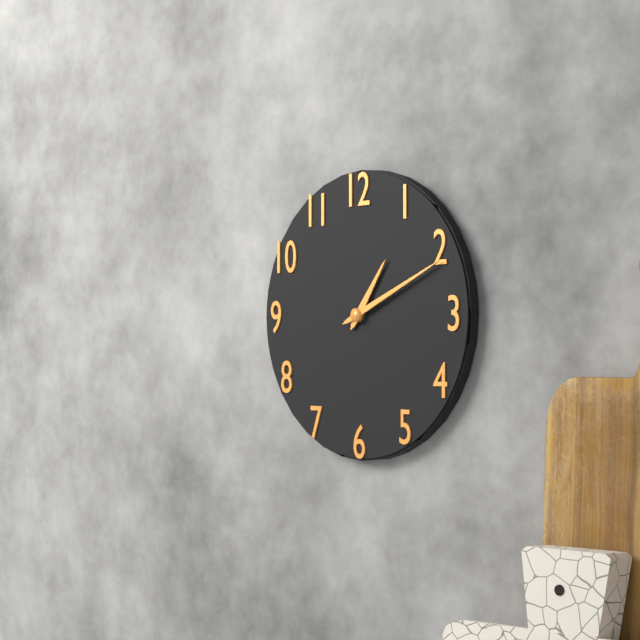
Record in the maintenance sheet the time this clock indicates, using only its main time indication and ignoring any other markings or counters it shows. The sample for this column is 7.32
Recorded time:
1.11
